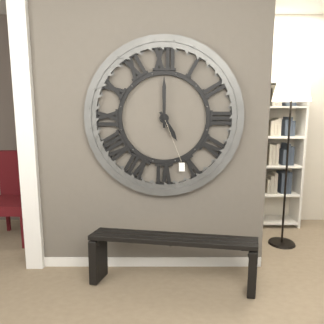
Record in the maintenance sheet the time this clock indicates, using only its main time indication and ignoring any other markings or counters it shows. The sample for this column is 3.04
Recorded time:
5.00
